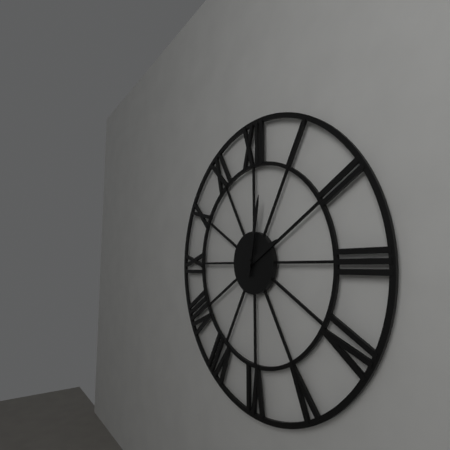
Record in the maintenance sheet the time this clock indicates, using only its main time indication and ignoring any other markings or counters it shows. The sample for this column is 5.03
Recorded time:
2.02
